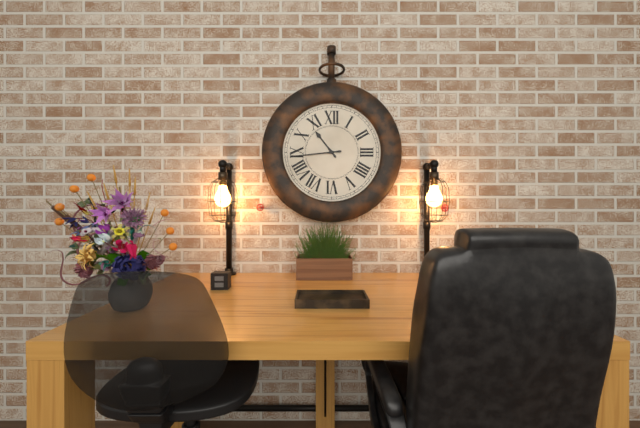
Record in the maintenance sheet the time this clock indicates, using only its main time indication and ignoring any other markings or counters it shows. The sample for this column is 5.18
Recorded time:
10.44
